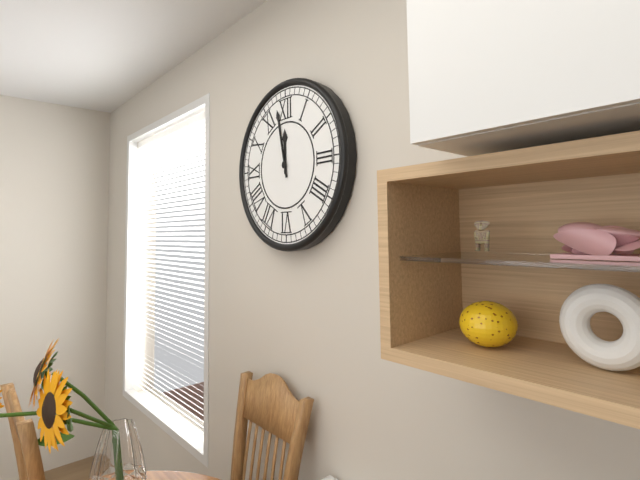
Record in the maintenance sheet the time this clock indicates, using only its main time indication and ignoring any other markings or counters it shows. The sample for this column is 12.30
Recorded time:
11.58
